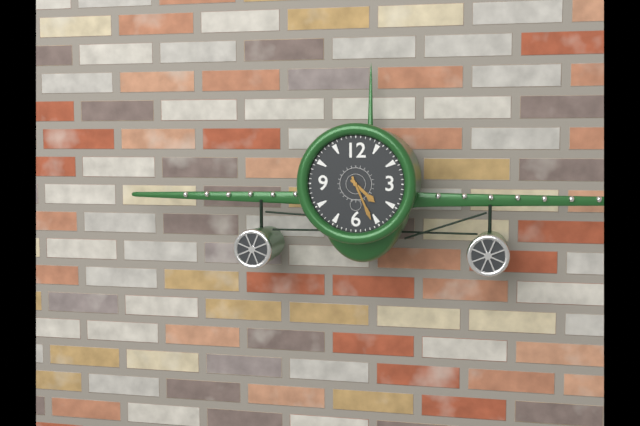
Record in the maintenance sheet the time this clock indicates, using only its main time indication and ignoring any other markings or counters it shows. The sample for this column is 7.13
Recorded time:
4.26
